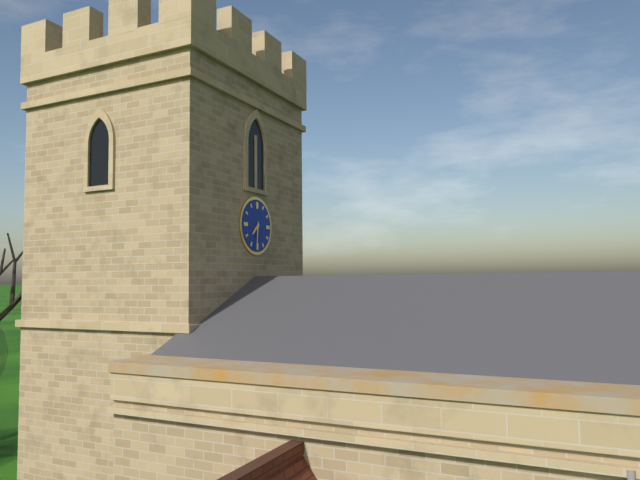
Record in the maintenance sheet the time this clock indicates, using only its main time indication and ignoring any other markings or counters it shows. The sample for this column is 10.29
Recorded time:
7.31
